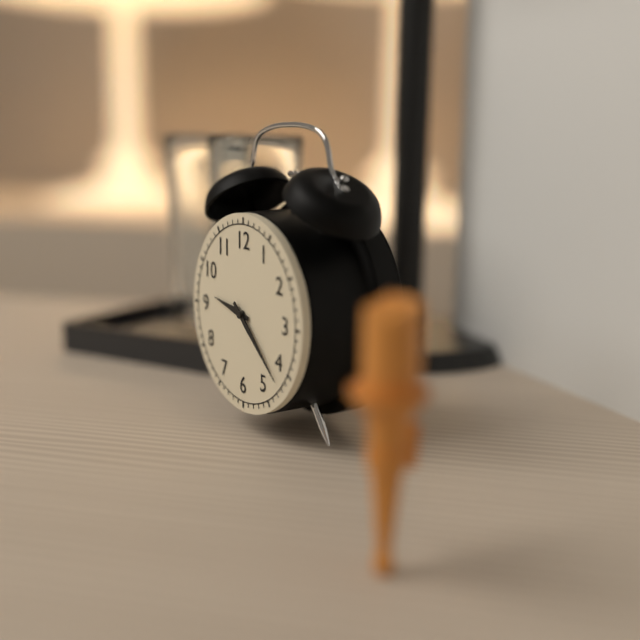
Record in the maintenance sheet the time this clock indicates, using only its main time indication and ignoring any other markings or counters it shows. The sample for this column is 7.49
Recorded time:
9.22
